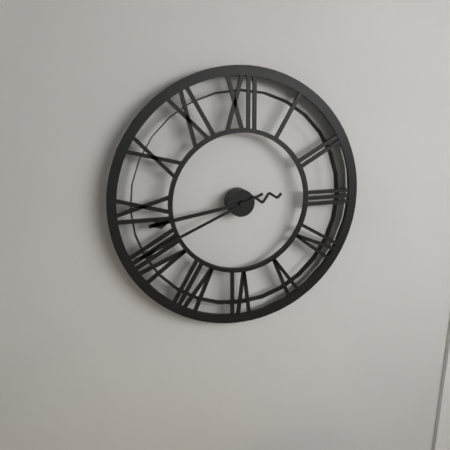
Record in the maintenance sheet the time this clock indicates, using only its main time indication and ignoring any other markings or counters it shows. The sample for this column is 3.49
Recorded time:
8.41
